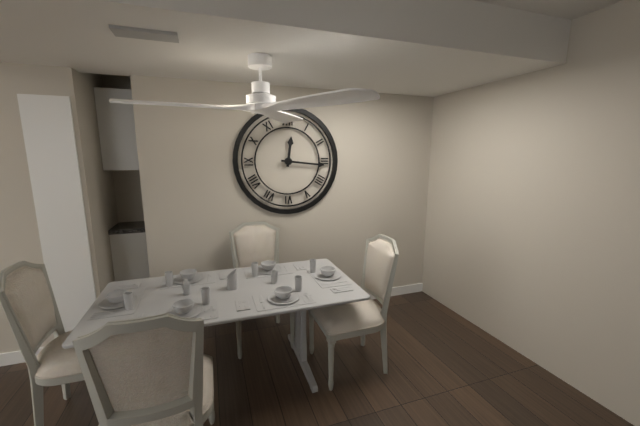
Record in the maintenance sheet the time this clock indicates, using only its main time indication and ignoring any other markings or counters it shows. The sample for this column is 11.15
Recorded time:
12.16
